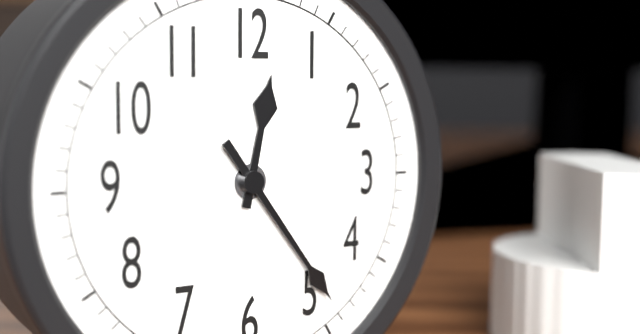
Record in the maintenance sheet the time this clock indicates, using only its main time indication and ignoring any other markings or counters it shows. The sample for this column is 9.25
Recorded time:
12.24
